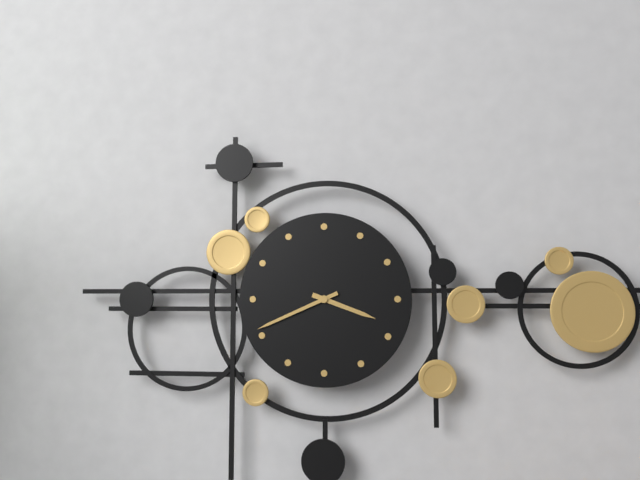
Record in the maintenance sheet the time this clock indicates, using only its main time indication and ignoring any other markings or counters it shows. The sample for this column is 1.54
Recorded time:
3.41
